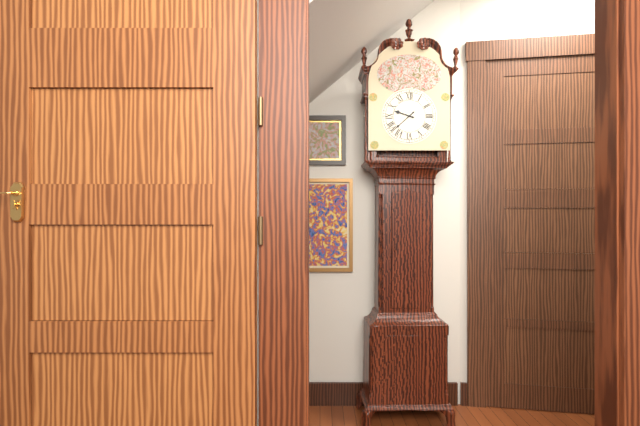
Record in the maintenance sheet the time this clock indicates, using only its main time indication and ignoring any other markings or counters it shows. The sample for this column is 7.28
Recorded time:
9.38
